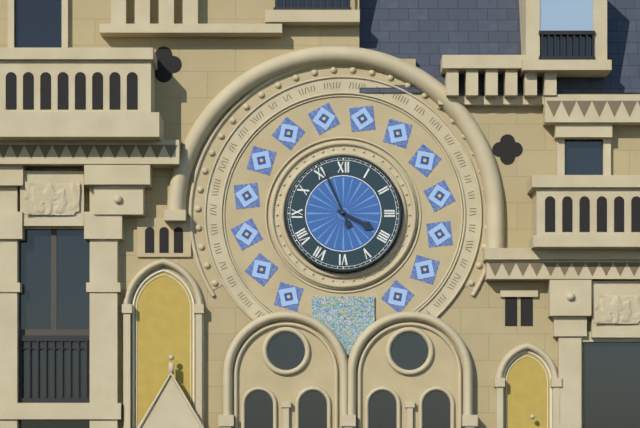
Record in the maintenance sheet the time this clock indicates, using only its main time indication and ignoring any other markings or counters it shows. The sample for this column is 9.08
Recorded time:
3.56
